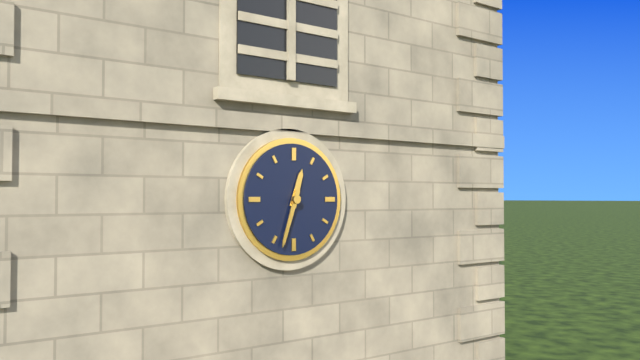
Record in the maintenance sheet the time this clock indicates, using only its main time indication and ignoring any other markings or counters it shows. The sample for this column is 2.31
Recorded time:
12.33
